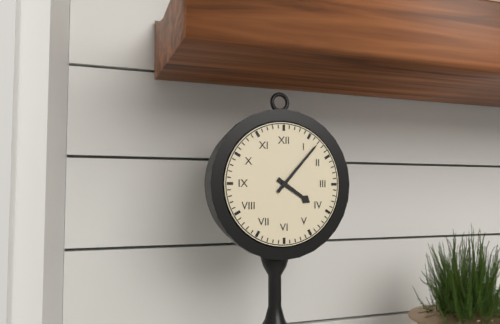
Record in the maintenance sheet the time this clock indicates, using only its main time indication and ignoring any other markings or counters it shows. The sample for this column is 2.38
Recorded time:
4.07
